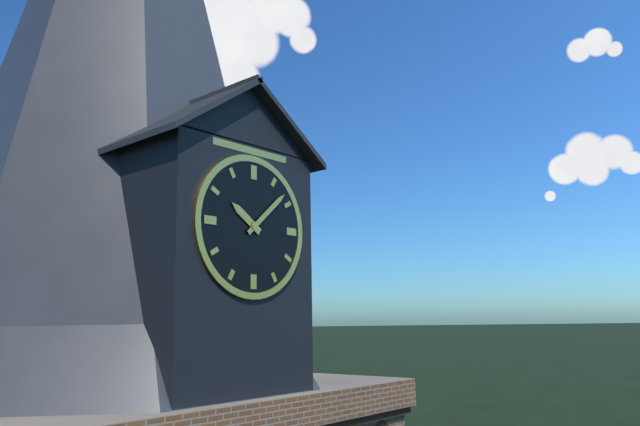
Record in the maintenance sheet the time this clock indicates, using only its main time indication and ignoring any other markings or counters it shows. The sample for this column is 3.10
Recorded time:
10.08
